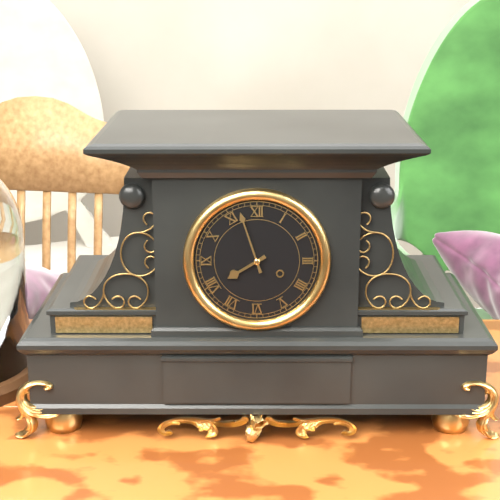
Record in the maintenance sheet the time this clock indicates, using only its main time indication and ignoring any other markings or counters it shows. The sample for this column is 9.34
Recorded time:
7.57
